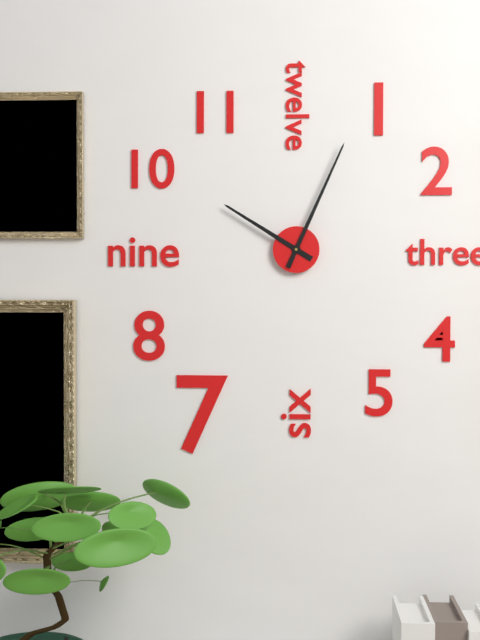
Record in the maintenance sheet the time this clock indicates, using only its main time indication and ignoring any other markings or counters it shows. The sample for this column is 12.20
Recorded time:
10.04
